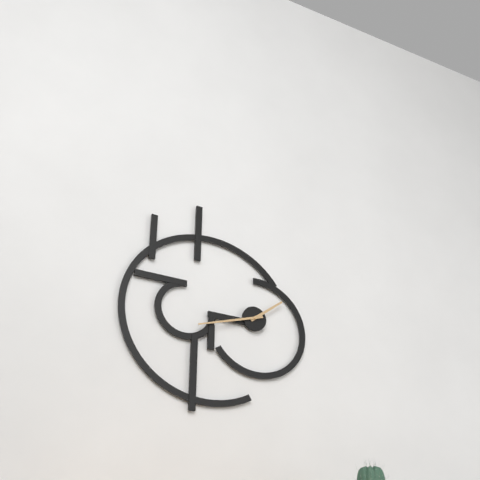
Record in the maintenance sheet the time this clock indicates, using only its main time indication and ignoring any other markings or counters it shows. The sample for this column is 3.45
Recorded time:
1.42
